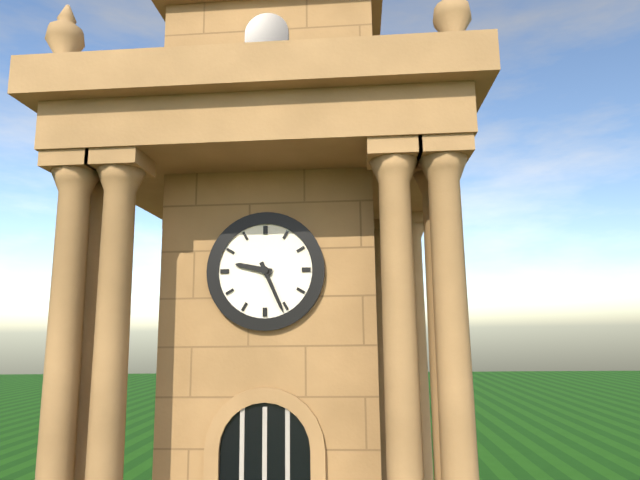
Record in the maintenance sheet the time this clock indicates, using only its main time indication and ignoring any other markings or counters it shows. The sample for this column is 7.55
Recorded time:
9.26
